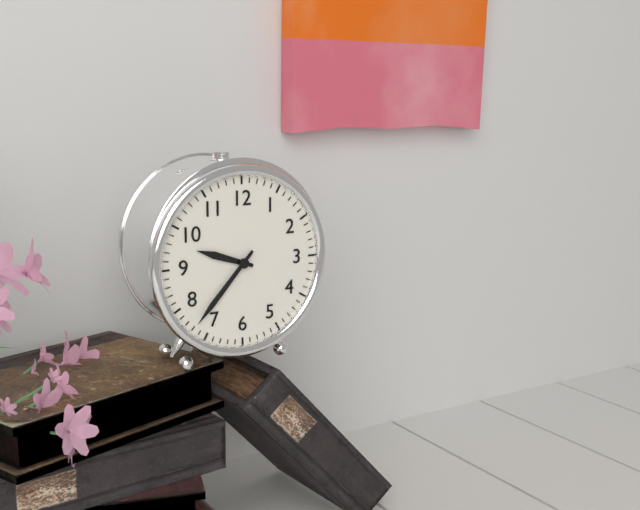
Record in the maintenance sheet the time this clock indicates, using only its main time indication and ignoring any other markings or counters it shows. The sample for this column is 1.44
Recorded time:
9.37
